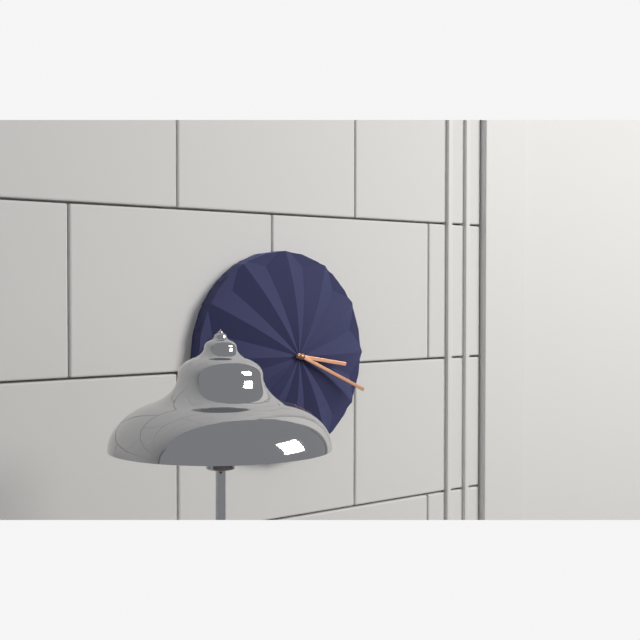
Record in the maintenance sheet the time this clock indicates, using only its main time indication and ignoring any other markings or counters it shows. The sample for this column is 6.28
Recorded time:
3.19
